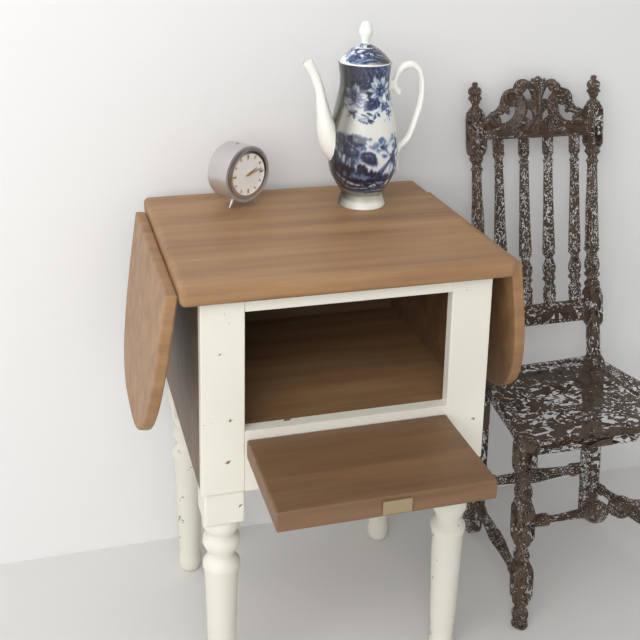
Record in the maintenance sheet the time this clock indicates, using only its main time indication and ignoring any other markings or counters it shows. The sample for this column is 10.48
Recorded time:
2.13
